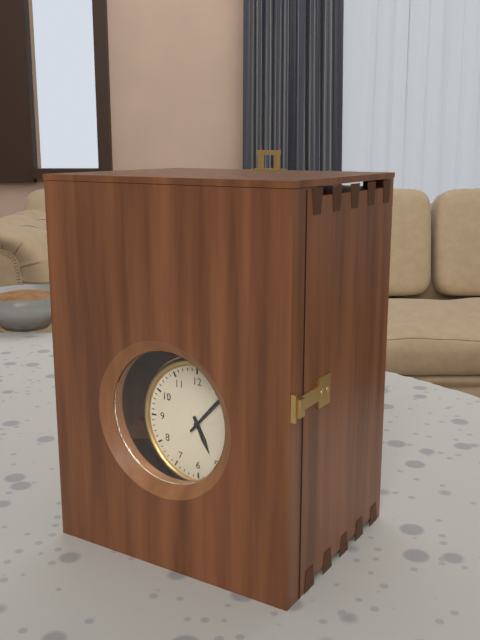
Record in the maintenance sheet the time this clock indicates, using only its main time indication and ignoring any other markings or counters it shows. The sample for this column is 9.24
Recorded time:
5.07
